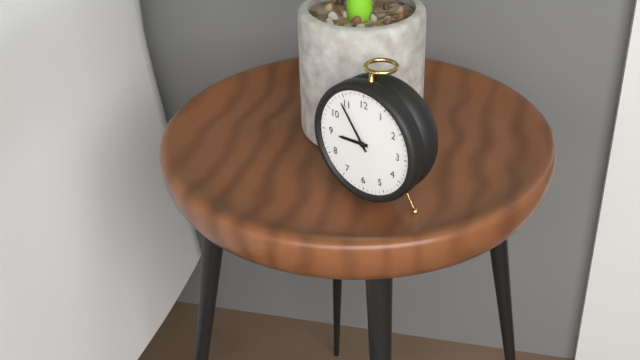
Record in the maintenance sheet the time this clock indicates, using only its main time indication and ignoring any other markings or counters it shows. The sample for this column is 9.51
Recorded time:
8.54
